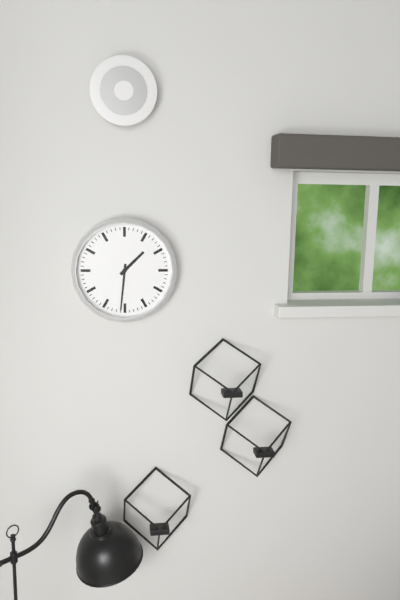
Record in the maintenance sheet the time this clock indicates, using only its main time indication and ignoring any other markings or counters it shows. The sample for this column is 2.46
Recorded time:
1.31
